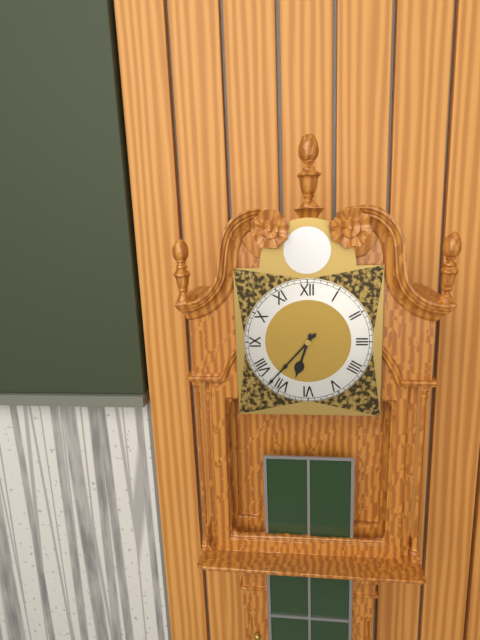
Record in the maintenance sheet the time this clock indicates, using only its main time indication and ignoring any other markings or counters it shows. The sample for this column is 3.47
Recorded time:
6.37
